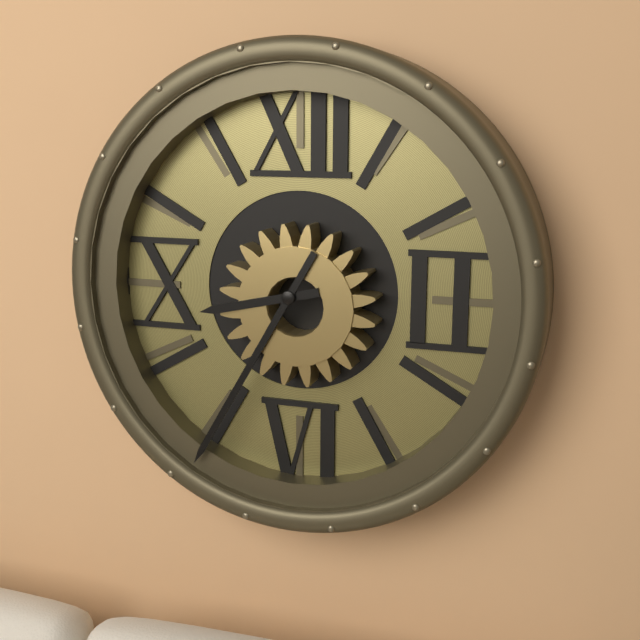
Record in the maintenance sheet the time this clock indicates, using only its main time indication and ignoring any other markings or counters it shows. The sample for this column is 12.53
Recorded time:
8.35
